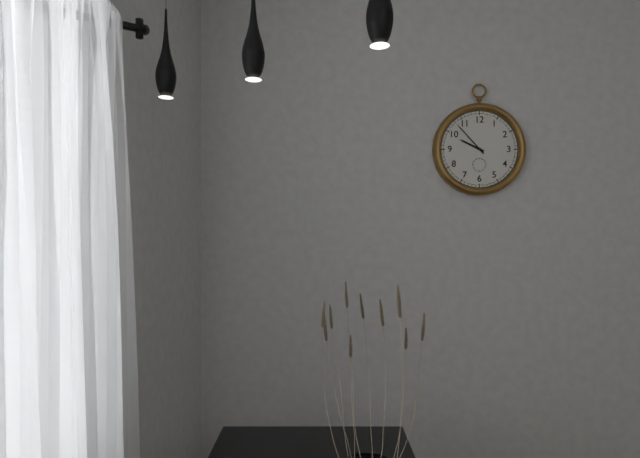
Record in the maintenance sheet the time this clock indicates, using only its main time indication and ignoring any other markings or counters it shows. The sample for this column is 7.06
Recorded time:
9.53
